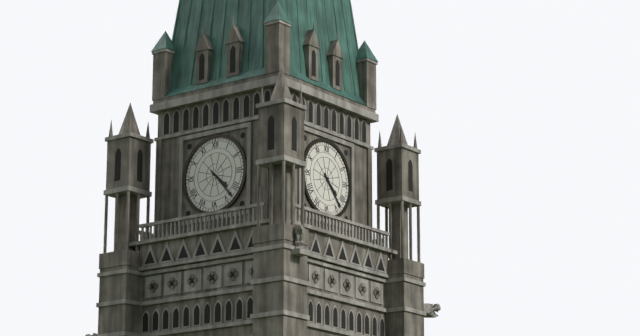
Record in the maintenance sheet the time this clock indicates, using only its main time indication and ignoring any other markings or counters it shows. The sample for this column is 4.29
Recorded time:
4.23
